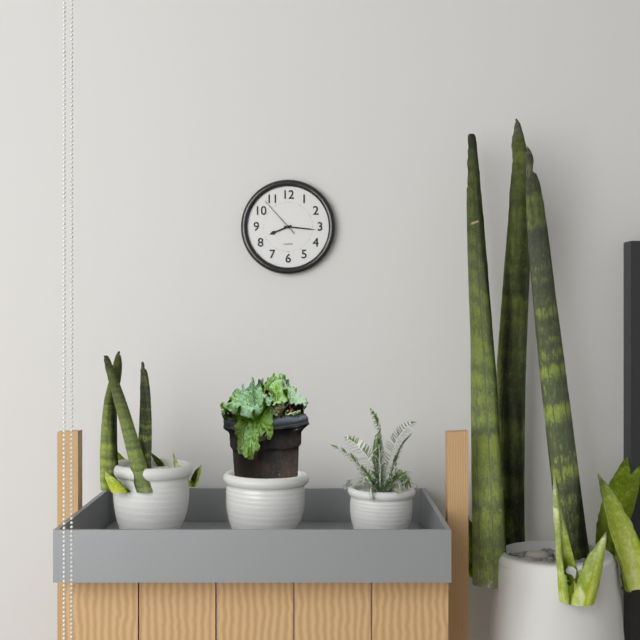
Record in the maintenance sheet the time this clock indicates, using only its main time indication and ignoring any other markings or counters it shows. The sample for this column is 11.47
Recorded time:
8.16
